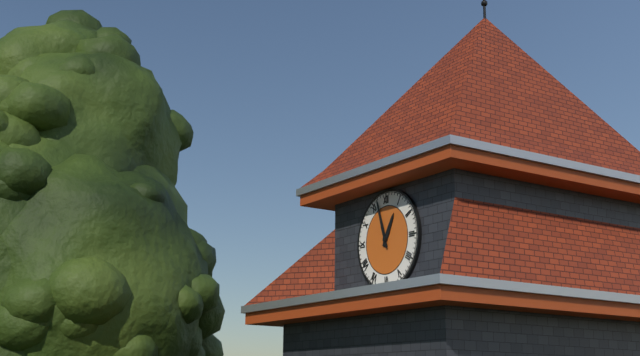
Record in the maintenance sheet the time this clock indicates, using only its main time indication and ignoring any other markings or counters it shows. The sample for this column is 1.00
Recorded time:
12.57
